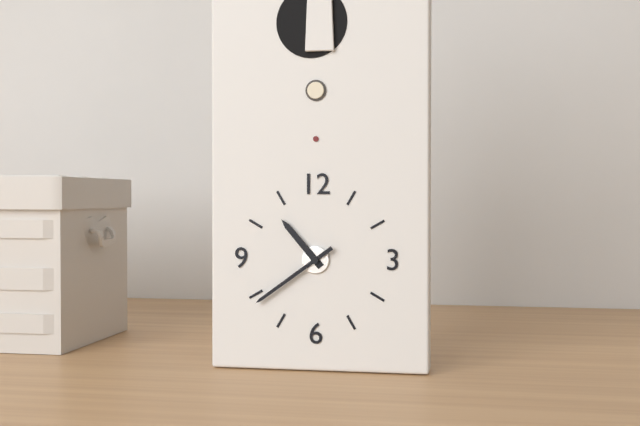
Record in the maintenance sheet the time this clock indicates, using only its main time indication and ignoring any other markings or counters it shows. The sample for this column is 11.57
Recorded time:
10.39
